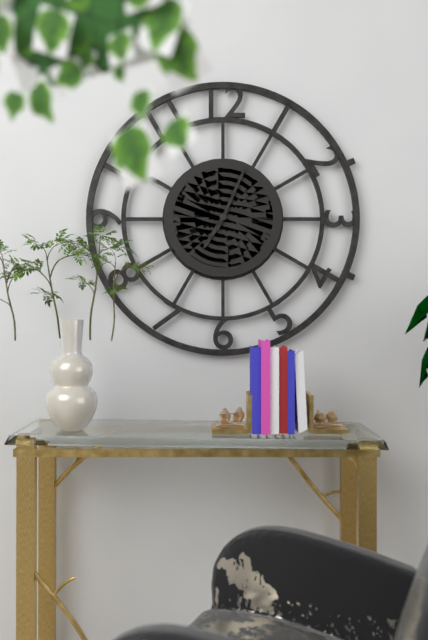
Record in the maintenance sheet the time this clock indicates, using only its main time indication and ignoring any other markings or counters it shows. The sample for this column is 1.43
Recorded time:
7.04
